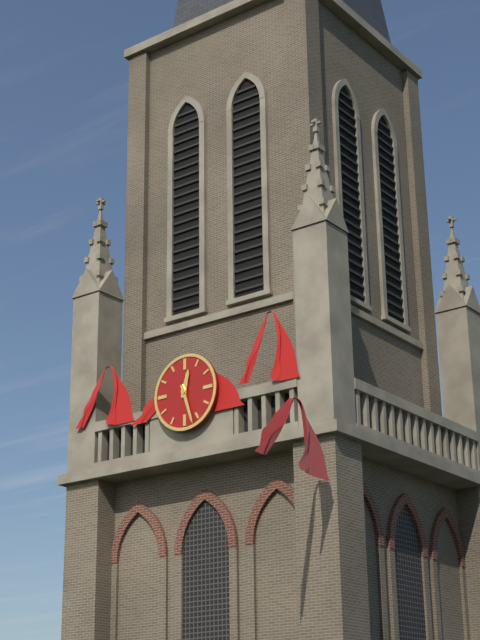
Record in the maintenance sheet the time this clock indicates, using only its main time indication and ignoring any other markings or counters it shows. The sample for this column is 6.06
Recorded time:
12.27
